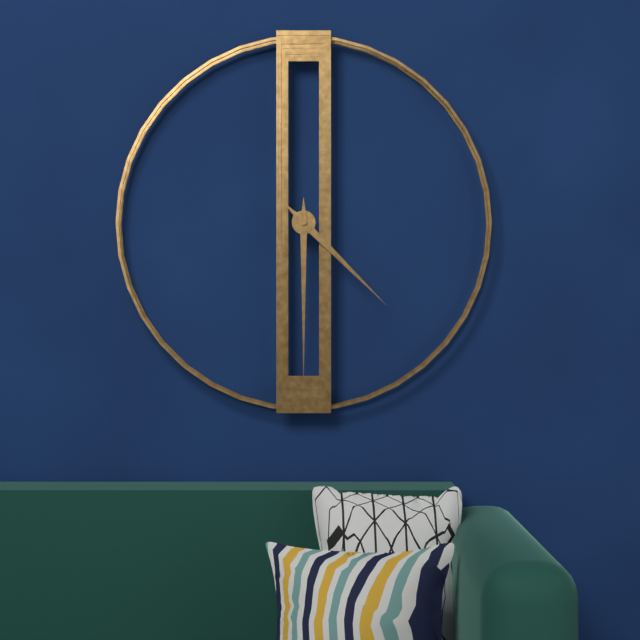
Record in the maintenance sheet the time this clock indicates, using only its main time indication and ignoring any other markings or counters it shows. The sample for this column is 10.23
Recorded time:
4.30
